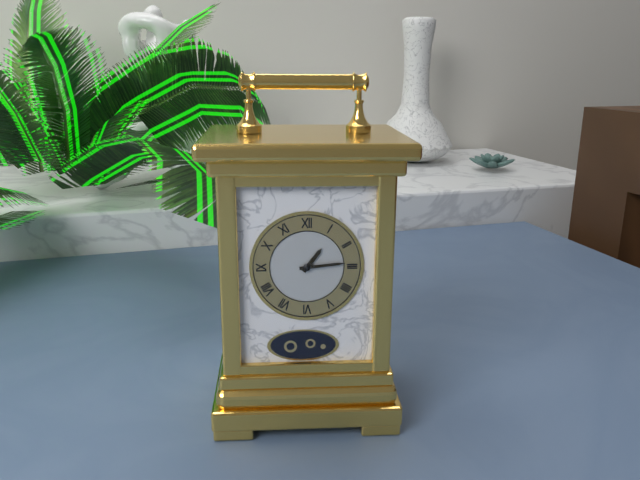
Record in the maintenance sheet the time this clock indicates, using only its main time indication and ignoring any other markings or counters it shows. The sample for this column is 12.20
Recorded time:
1.14
